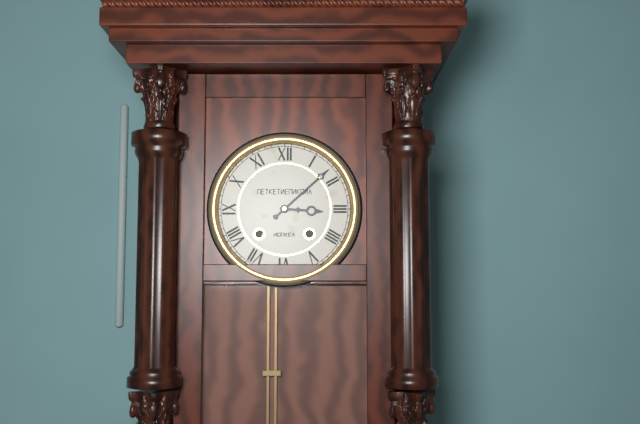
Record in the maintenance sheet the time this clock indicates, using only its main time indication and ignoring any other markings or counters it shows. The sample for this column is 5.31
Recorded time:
3.08
